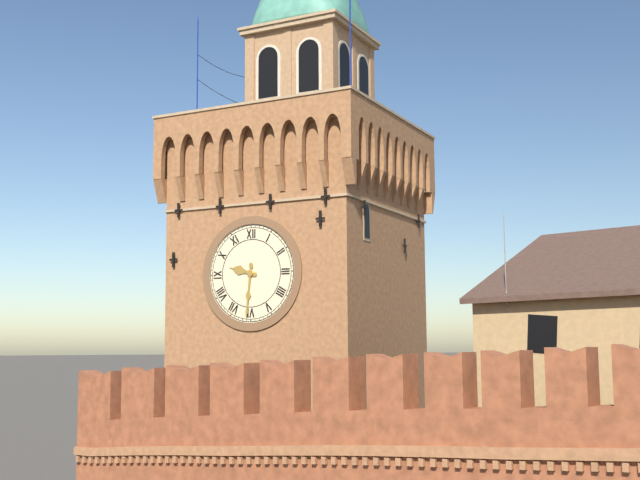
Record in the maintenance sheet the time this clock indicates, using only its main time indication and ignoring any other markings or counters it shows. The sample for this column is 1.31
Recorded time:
9.31
